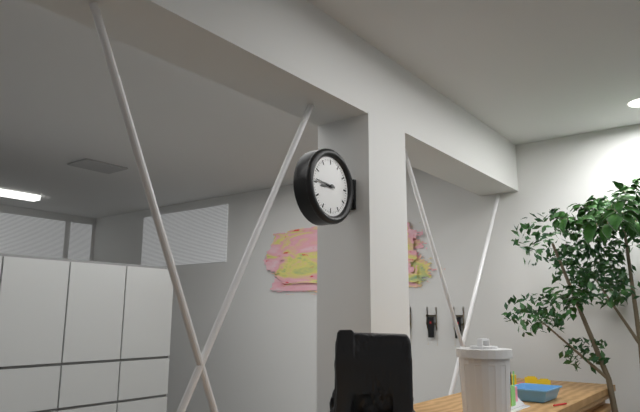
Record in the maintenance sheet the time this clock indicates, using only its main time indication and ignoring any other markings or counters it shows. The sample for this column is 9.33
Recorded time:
8.46
